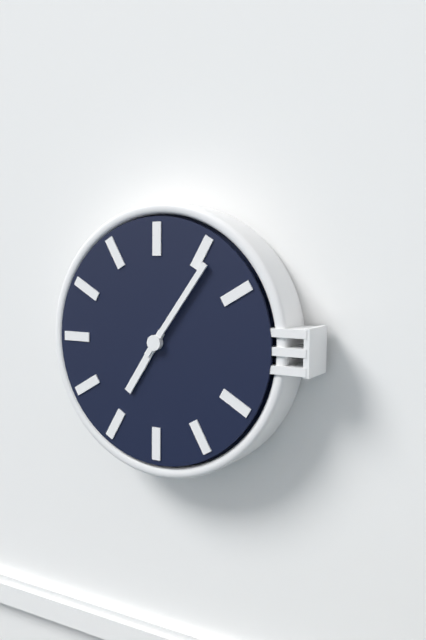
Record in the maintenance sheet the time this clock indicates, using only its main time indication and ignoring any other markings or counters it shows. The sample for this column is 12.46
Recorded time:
7.06
